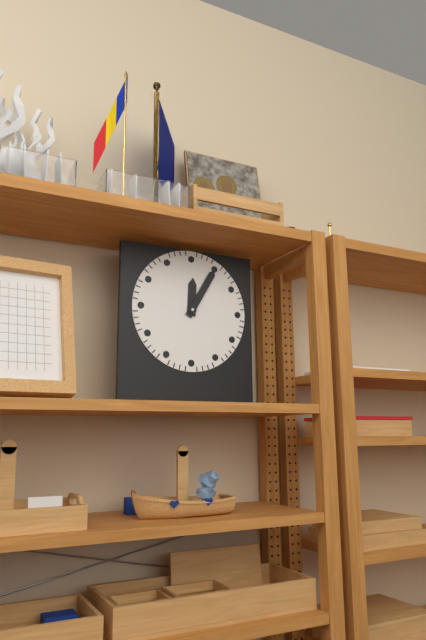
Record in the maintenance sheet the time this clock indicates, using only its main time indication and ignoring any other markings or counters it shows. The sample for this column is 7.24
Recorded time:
12.05
